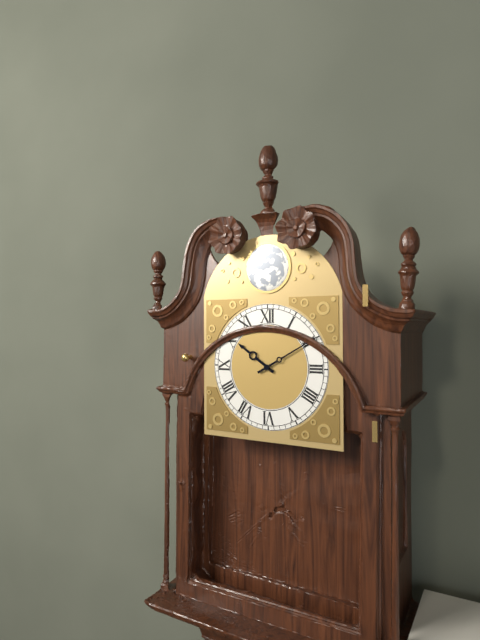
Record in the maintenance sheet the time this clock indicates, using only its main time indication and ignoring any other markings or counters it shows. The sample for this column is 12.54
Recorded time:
10.10
